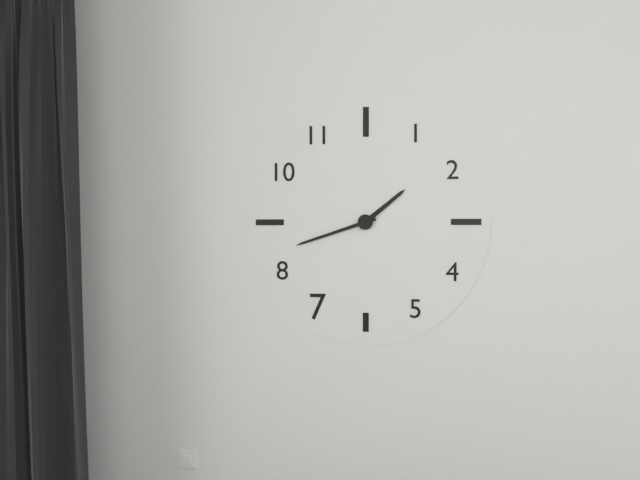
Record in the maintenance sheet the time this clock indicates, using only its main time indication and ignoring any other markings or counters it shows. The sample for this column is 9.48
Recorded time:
1.42
